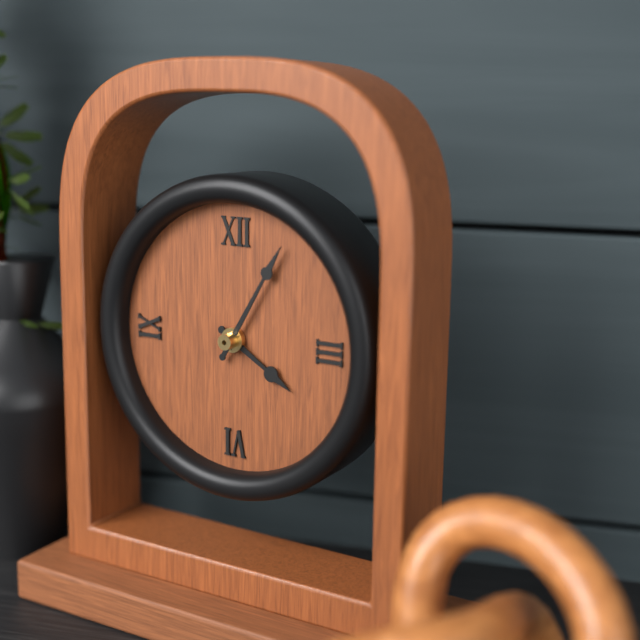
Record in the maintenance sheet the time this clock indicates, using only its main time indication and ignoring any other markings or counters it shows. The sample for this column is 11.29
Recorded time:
4.05
